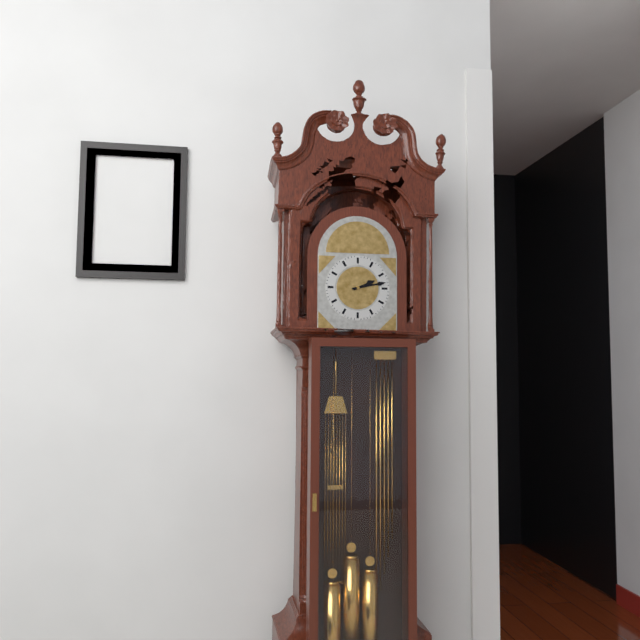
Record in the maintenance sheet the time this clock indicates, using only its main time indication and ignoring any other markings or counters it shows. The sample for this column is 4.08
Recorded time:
2.13
